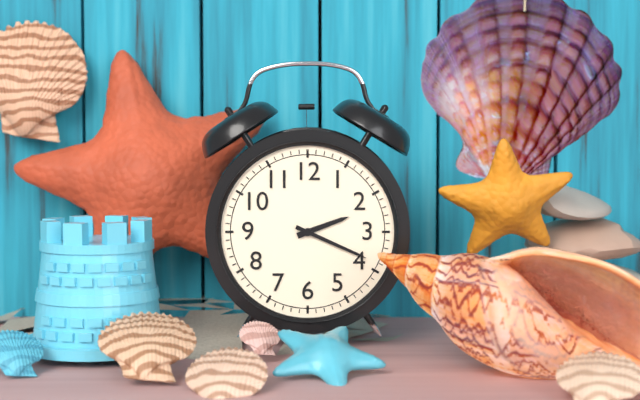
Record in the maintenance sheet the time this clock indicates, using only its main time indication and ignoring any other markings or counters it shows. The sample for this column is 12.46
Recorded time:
2.19
